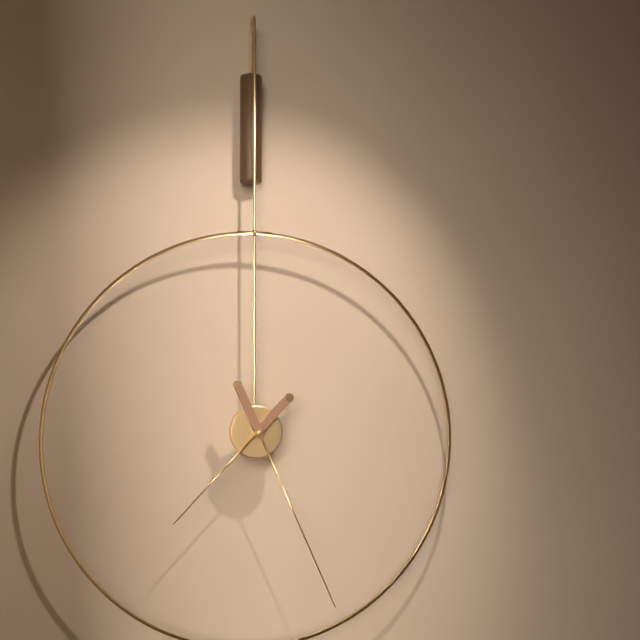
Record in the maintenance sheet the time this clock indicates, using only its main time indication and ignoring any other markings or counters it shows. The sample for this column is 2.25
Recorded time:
7.26
